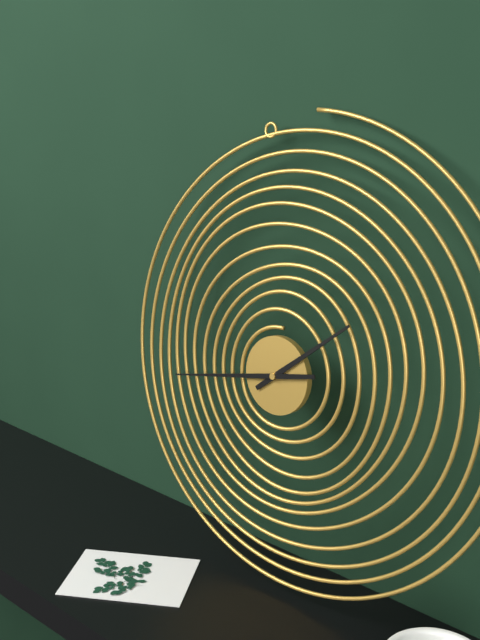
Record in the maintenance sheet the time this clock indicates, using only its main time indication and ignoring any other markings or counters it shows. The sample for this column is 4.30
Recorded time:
1.43
